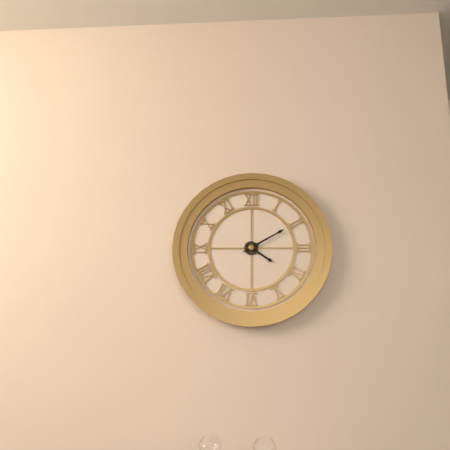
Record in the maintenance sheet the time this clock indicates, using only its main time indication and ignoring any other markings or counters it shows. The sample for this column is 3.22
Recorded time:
4.10
